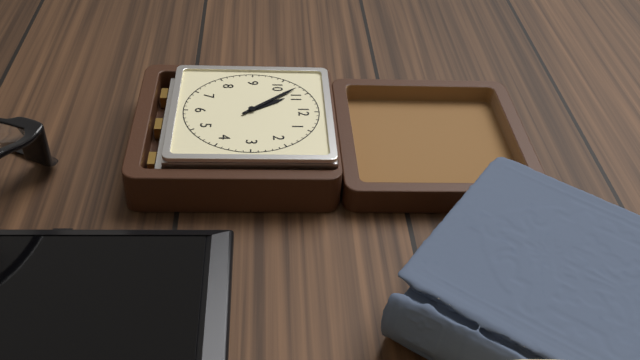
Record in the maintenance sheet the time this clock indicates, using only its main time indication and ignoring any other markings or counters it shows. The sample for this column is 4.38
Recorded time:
10.53
